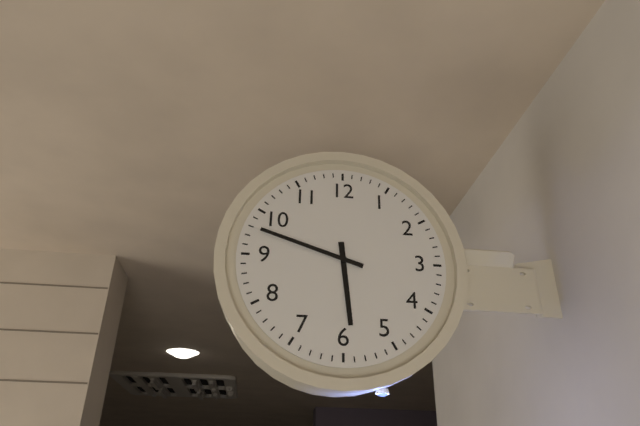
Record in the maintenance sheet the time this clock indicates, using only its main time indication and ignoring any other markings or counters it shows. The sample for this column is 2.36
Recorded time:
5.48
